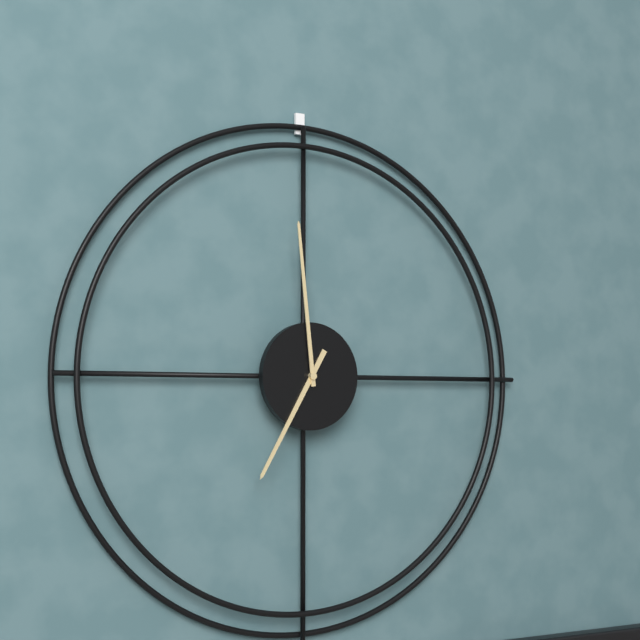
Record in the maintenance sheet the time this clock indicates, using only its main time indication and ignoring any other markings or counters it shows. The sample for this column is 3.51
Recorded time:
6.59
